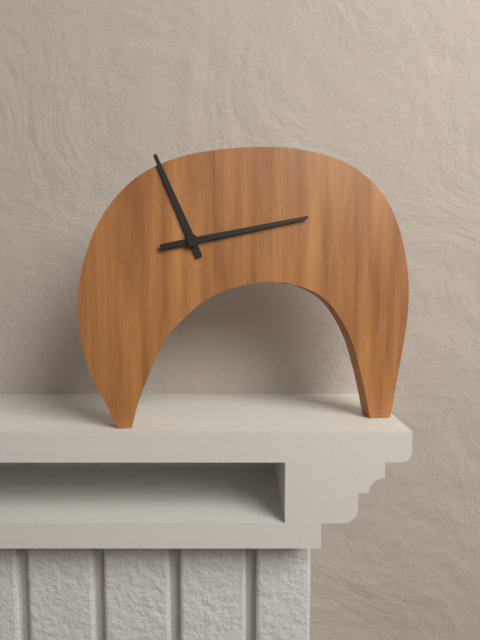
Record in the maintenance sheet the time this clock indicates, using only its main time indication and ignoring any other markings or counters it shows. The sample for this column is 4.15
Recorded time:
11.13
